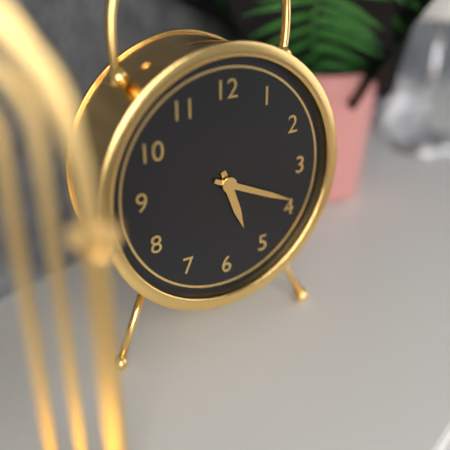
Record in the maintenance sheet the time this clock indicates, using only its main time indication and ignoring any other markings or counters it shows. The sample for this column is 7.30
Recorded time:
5.19
